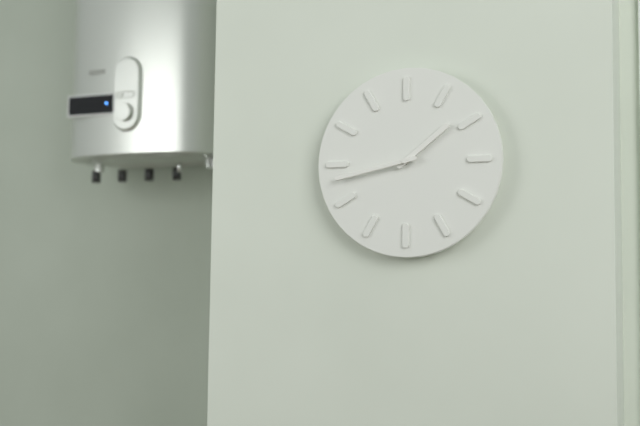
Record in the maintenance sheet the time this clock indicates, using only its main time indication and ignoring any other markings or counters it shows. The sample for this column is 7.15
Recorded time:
1.43
